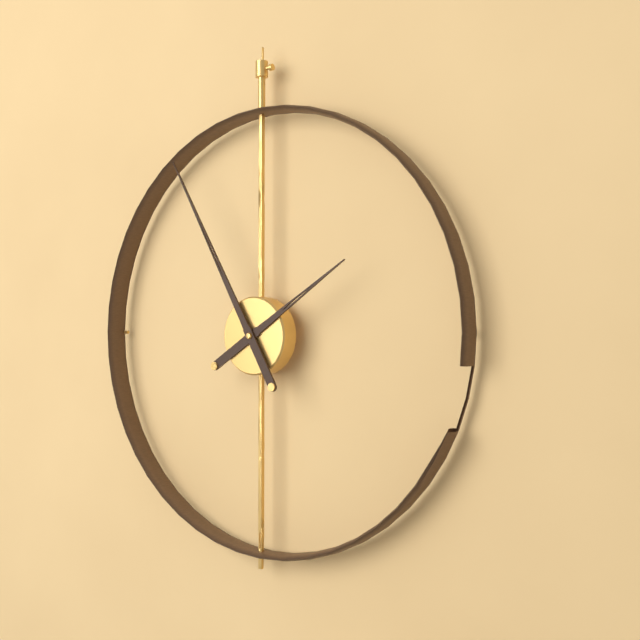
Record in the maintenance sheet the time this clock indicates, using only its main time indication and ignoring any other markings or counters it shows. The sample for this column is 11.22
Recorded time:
1.55
